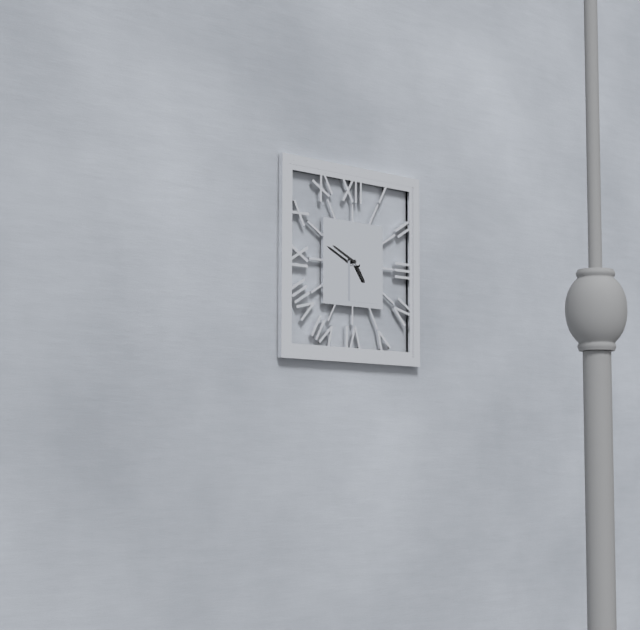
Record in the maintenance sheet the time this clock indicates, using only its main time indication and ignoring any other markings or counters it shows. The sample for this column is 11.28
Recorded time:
4.49
